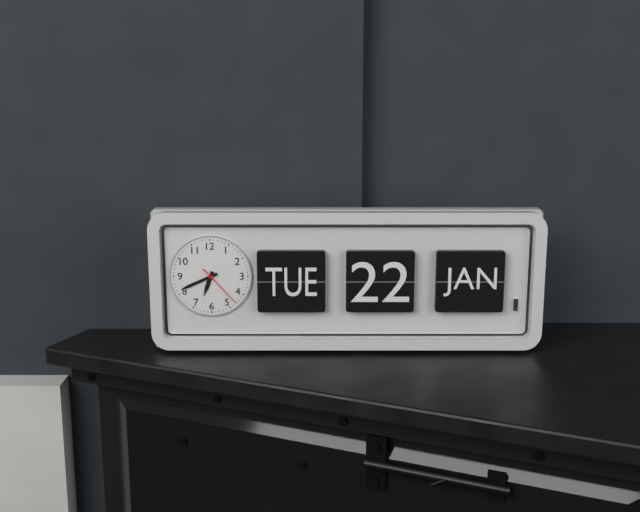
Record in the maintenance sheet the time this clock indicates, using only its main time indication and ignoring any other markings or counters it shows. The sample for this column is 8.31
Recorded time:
6.41
